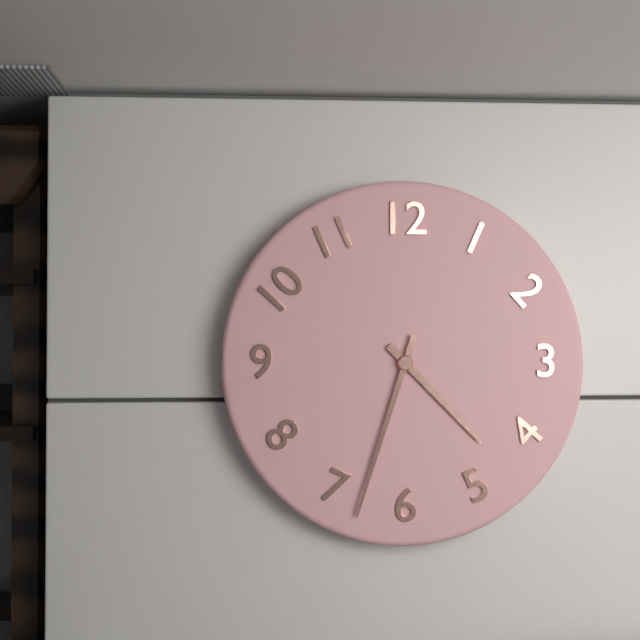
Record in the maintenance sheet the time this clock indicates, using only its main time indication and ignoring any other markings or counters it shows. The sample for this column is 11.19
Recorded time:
4.33
